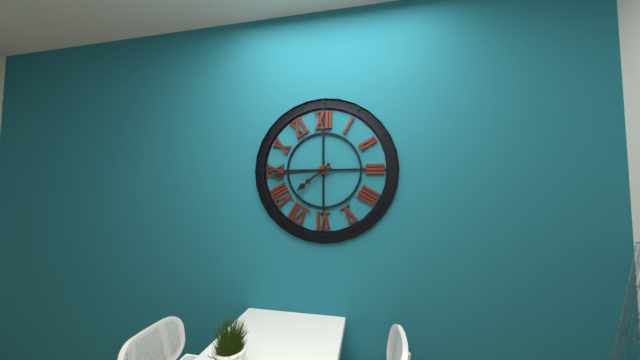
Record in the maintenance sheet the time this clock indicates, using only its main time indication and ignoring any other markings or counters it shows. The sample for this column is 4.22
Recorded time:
7.44
